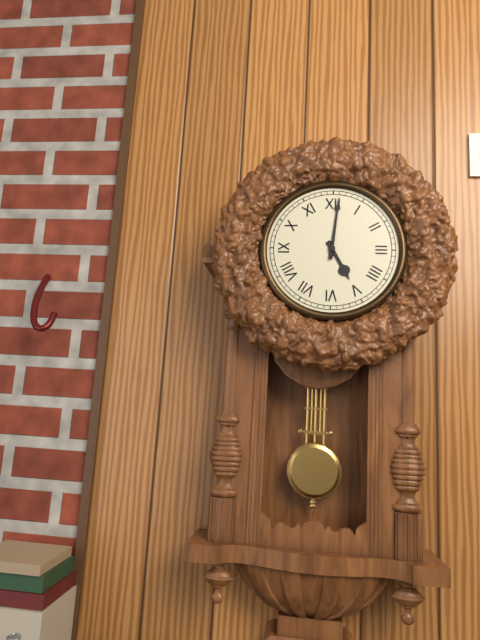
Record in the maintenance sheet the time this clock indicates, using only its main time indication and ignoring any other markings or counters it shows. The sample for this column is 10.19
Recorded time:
5.01
